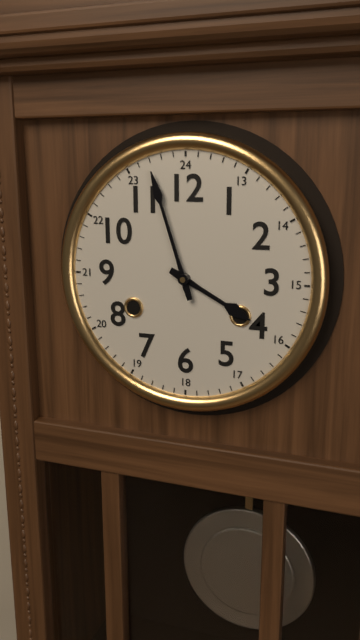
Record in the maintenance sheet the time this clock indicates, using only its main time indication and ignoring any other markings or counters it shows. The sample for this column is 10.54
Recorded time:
3.57
